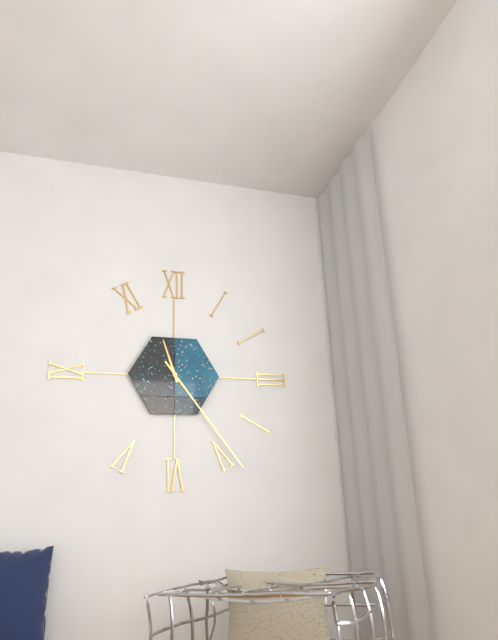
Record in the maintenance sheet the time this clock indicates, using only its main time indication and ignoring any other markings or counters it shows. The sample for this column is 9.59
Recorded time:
11.24
